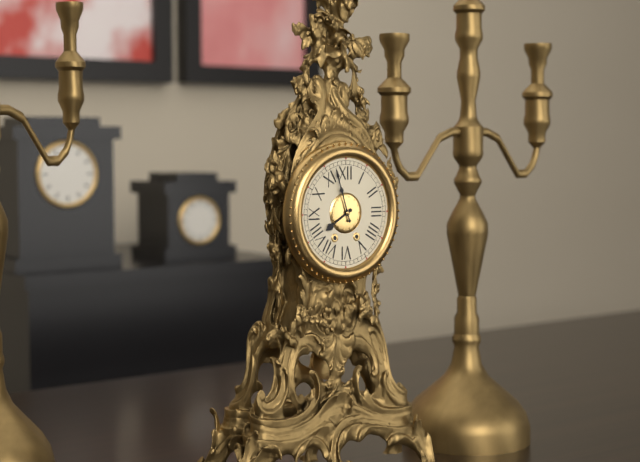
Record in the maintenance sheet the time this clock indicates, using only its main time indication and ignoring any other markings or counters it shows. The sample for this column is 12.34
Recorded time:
7.57
